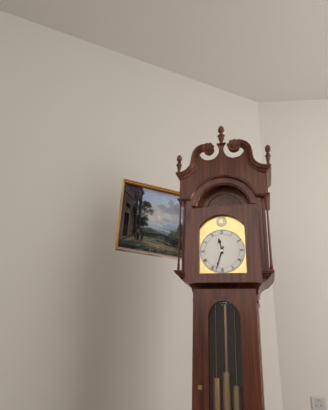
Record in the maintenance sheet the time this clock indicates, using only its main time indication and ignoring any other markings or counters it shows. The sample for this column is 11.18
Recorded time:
11.33
